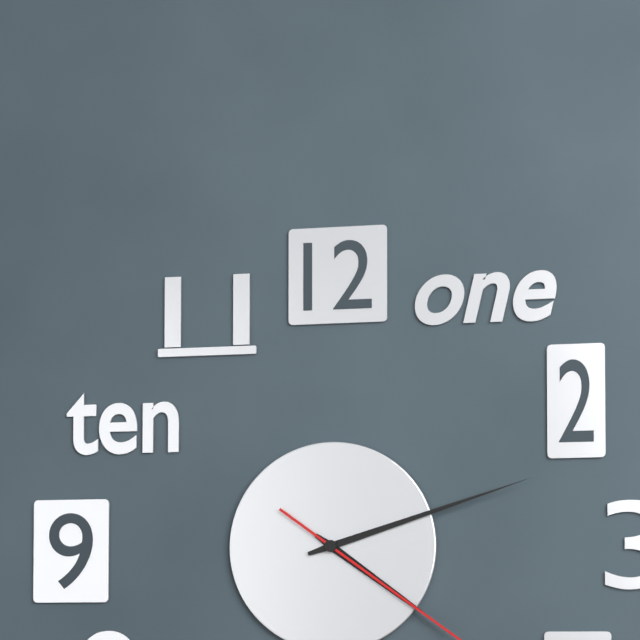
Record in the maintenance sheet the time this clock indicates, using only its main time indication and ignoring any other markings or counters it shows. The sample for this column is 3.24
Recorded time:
4.12
